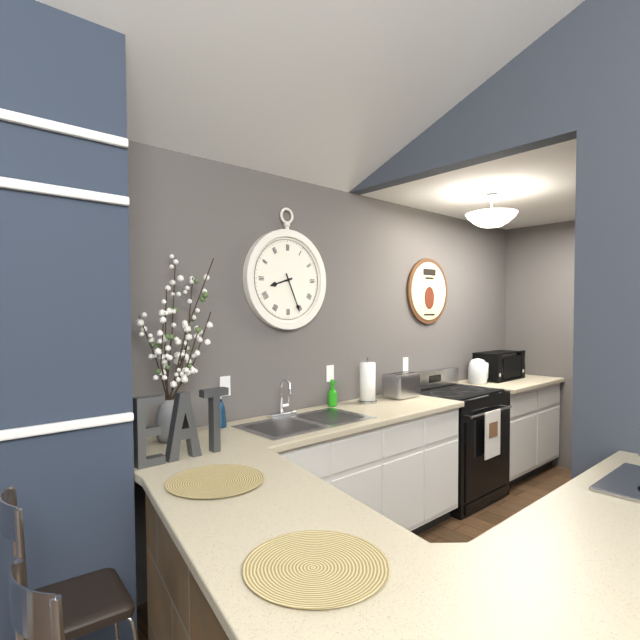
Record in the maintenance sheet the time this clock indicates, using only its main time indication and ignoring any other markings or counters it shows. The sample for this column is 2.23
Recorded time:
8.26
